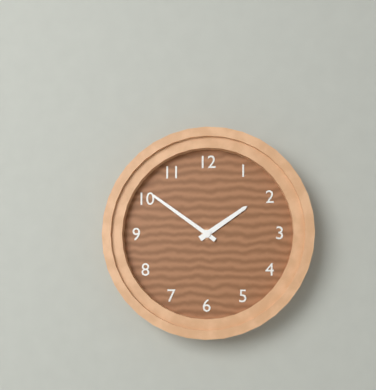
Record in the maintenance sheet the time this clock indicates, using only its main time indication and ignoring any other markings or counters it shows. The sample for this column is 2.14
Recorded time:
1.51
